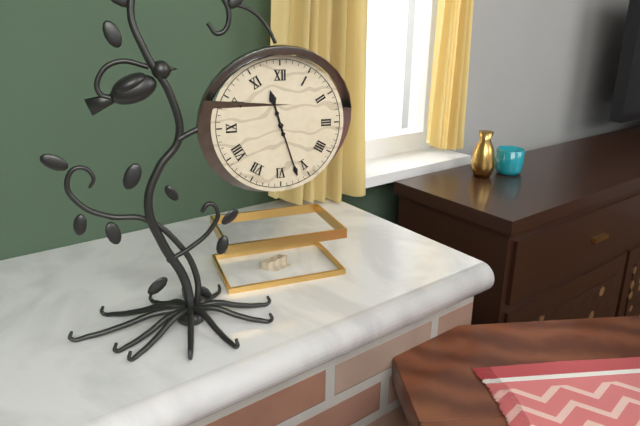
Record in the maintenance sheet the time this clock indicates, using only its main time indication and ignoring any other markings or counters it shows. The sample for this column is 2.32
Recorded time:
11.27
